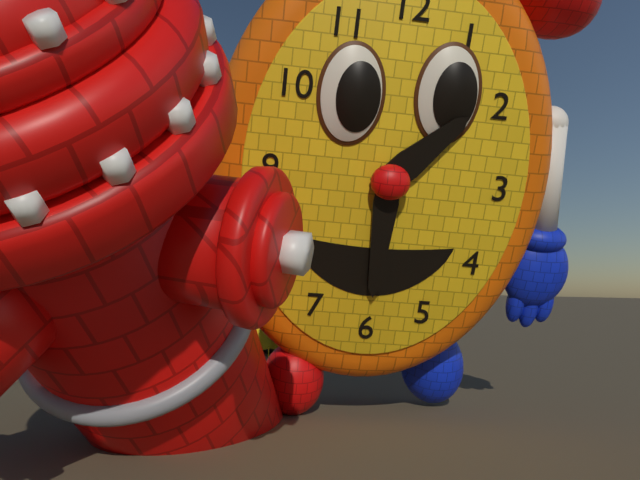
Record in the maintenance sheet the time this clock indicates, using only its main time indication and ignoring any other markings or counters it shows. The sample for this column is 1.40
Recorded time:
1.30
